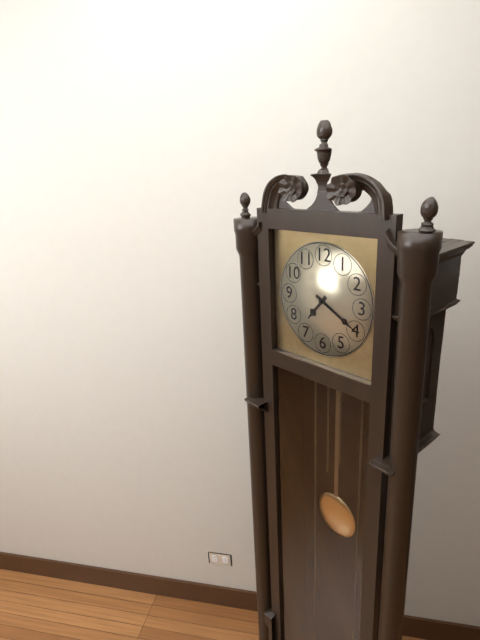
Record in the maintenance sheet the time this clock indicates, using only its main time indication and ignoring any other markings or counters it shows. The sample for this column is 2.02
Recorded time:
7.20
